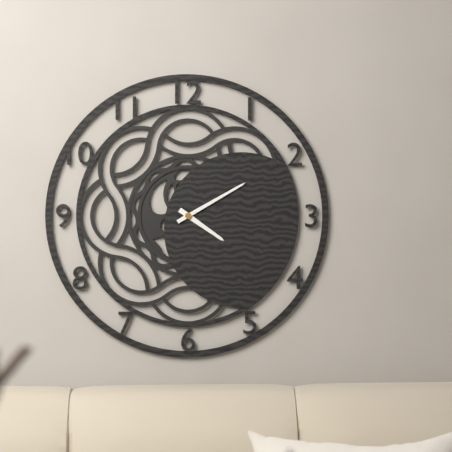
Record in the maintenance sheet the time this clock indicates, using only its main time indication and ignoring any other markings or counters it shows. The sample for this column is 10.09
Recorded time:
4.10
